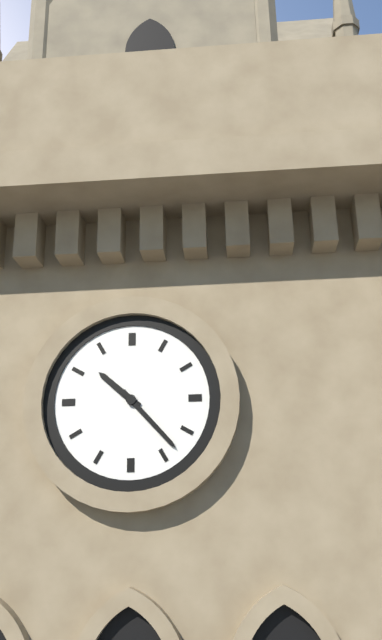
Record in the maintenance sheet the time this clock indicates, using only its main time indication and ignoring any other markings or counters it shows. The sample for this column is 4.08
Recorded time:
10.23
